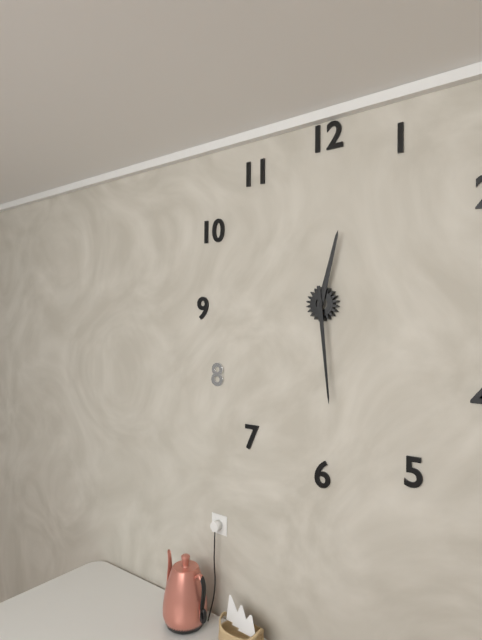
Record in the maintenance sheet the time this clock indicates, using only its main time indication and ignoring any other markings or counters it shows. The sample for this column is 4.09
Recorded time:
12.29
